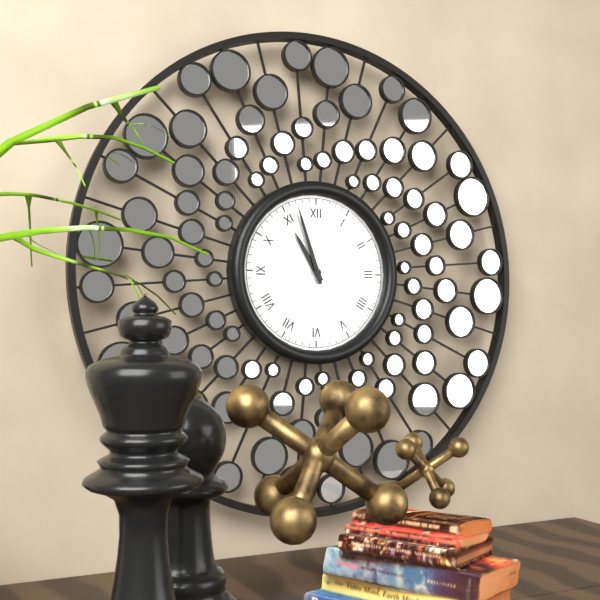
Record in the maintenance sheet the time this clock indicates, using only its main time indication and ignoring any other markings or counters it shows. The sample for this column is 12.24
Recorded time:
10.57
